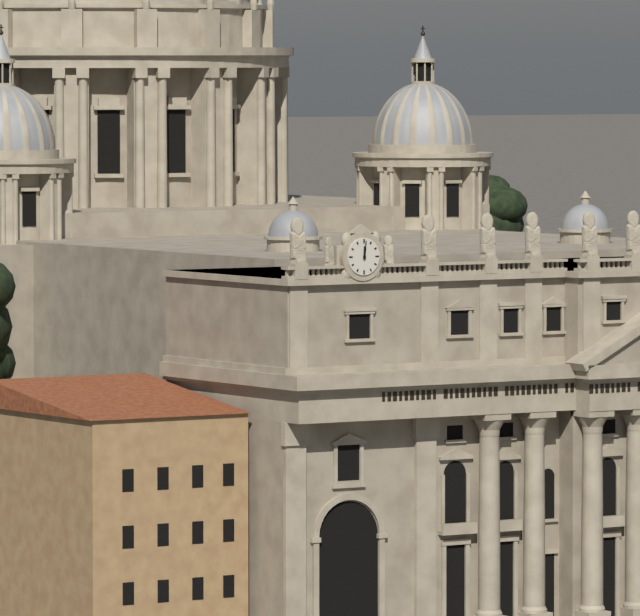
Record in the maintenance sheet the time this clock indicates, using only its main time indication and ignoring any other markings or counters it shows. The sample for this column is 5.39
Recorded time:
12.01
